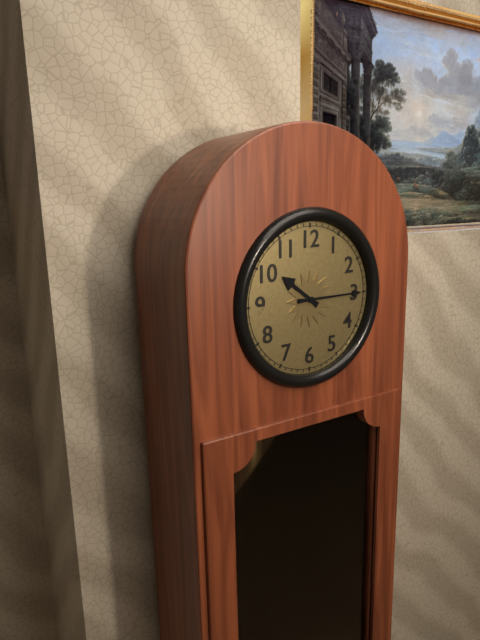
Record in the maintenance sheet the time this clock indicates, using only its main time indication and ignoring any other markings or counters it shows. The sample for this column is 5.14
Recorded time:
10.15
